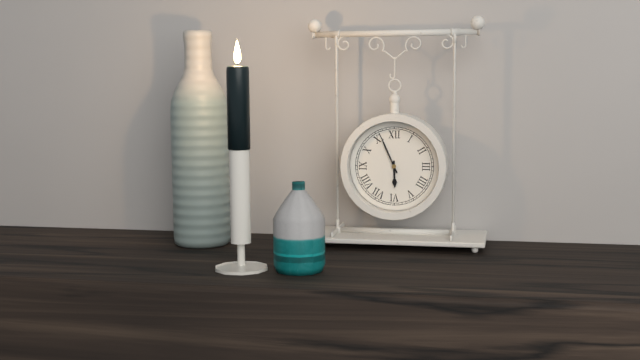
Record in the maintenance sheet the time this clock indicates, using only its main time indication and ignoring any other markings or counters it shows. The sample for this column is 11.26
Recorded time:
5.56
